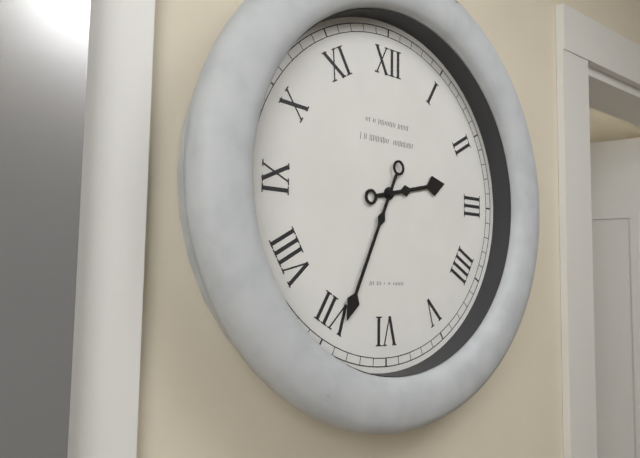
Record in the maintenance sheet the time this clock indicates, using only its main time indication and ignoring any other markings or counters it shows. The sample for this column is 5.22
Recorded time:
2.34
